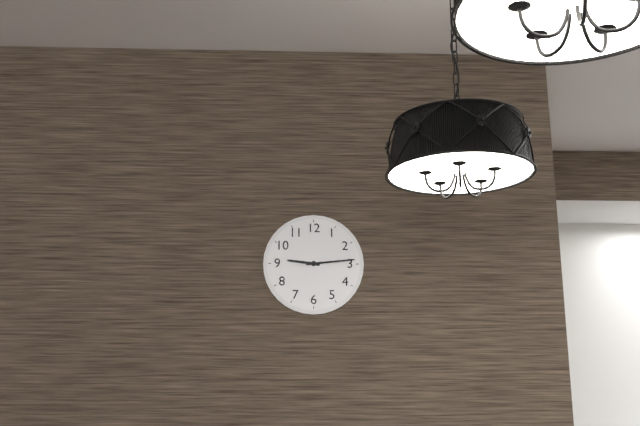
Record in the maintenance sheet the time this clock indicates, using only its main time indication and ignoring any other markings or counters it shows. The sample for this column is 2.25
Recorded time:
9.14
